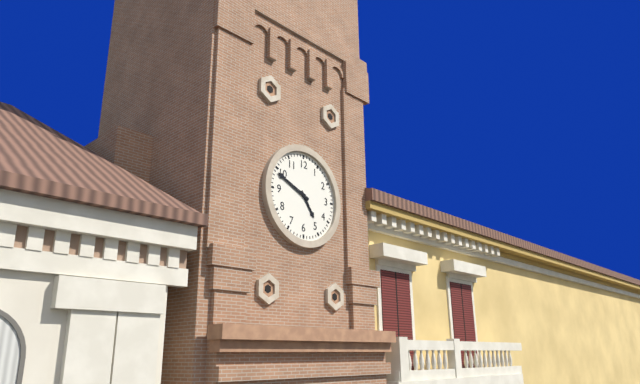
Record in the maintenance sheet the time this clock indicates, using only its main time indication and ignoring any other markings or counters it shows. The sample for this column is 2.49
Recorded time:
4.49
